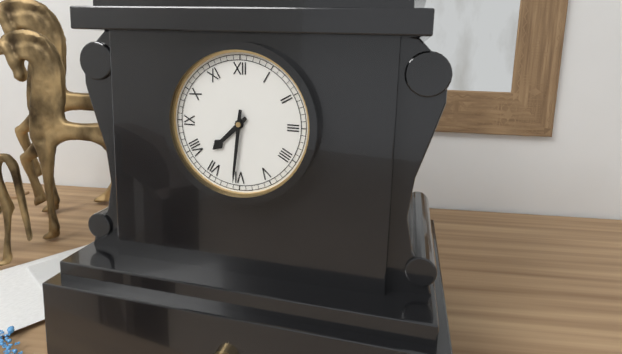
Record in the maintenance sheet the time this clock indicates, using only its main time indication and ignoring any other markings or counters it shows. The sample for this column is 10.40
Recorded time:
7.31
